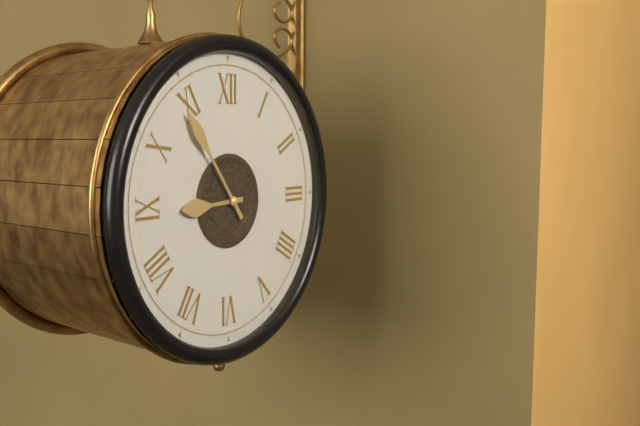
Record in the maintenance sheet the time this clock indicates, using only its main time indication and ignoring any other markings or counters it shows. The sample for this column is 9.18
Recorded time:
8.54
